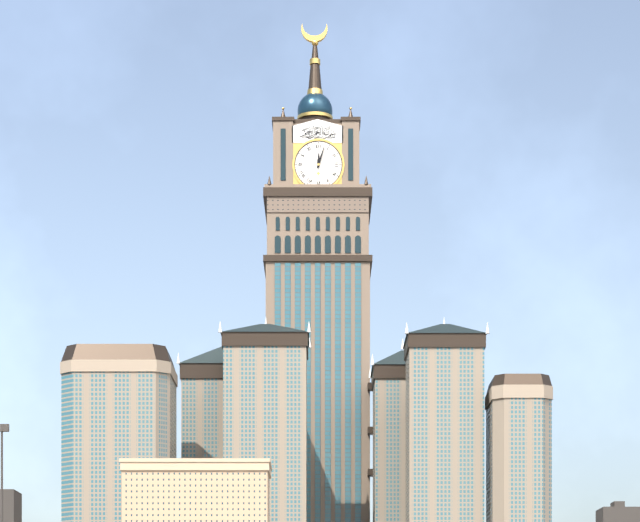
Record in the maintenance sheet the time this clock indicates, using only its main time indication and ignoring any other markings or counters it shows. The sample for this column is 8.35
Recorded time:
12.03
